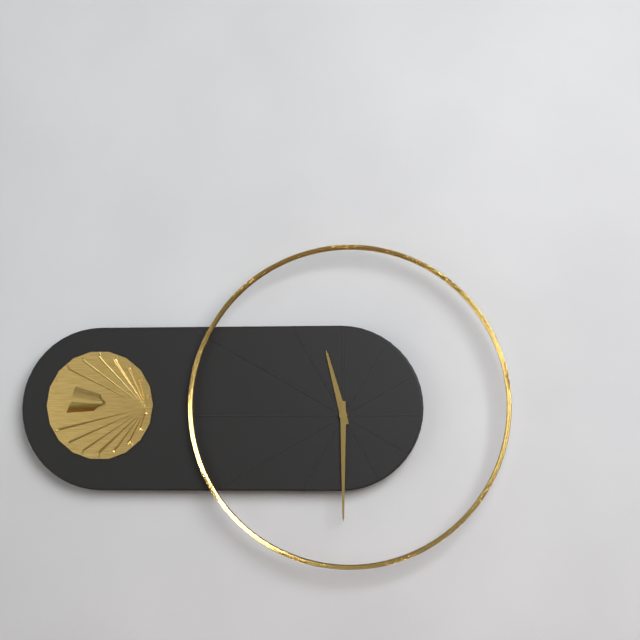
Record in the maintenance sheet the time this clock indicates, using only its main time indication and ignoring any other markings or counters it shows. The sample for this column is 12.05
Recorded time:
11.30
